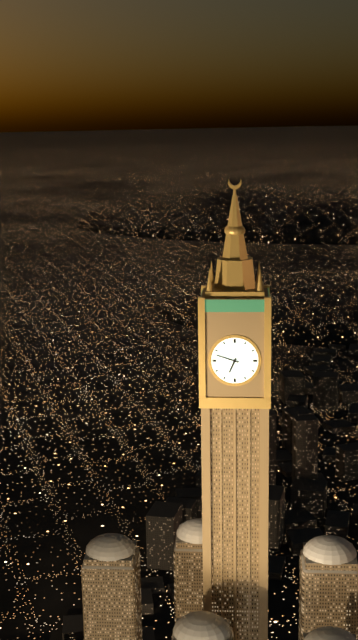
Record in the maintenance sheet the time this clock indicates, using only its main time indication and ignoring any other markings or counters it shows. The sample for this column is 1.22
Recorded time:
6.48
